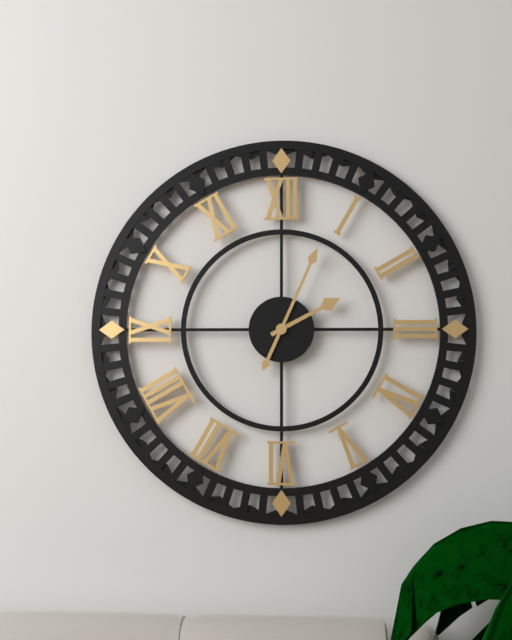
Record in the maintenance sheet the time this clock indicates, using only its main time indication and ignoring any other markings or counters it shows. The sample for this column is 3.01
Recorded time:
2.04
